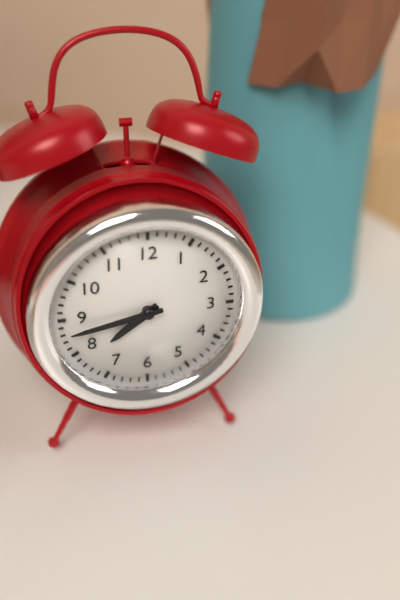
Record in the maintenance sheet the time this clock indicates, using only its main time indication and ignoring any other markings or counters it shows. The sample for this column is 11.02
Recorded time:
7.43
